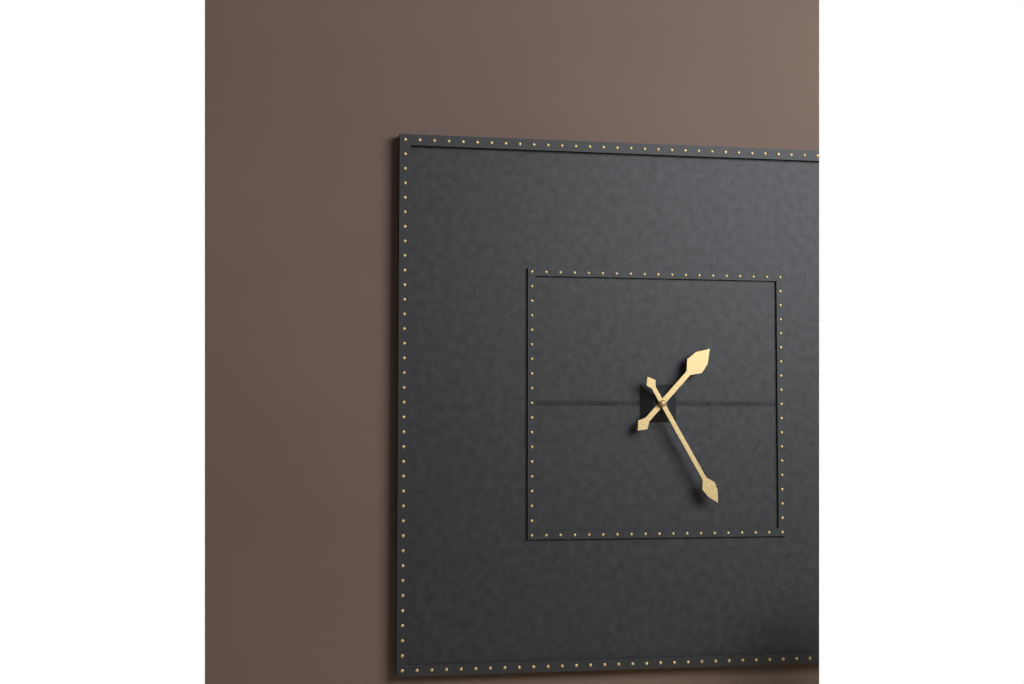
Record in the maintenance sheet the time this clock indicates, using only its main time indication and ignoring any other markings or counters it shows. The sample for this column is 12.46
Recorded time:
1.25
